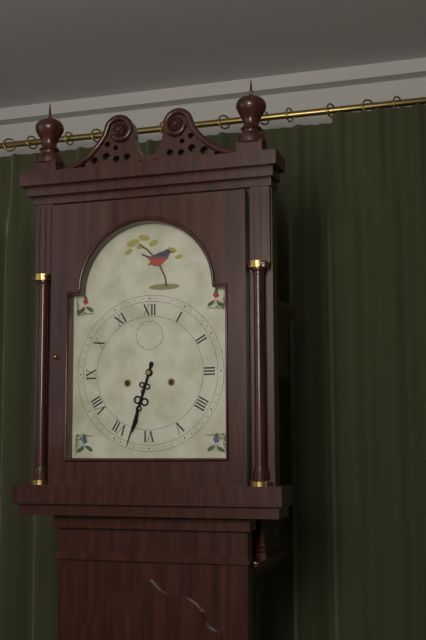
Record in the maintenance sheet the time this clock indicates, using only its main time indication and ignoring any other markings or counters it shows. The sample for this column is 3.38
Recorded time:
6.33
